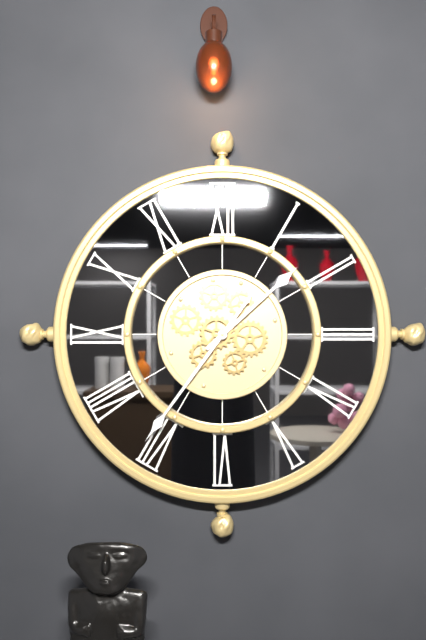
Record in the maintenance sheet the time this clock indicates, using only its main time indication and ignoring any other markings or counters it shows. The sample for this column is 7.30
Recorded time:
1.36
